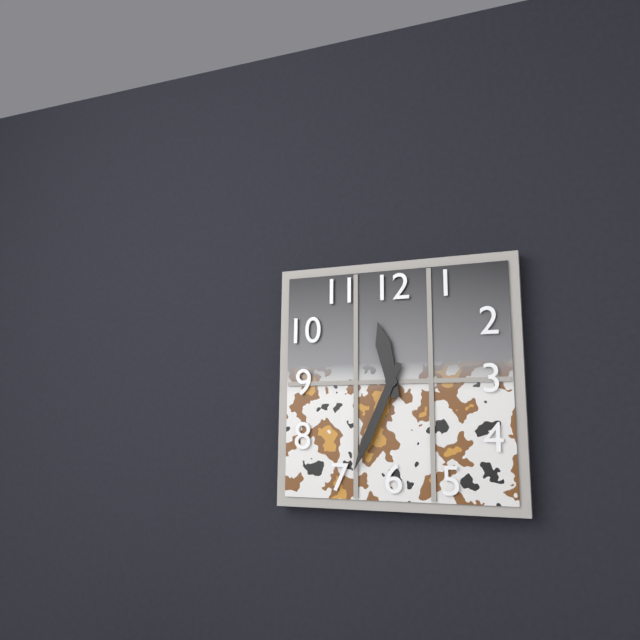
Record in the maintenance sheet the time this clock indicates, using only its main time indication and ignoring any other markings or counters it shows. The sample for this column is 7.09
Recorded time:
11.34
